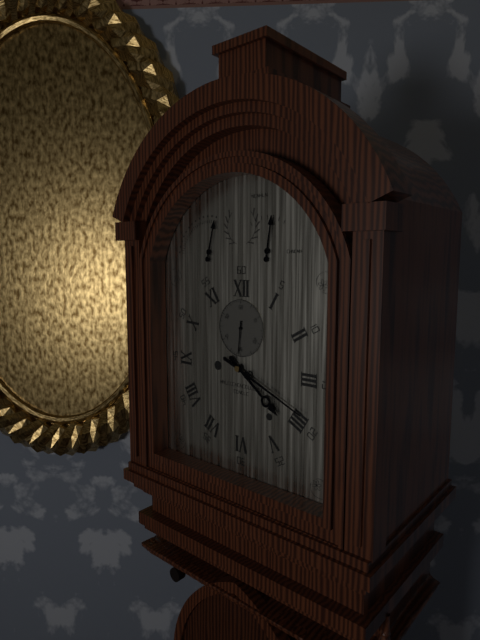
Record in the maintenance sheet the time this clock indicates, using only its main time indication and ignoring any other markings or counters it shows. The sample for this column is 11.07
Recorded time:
4.19
